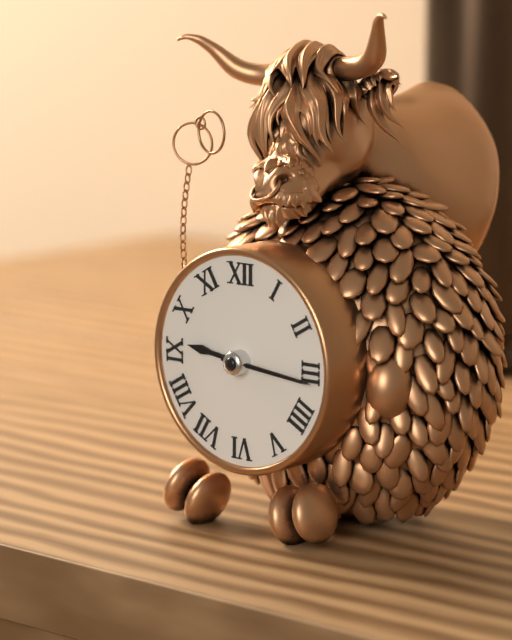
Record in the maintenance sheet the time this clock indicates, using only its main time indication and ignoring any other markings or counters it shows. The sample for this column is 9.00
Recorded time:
9.16
